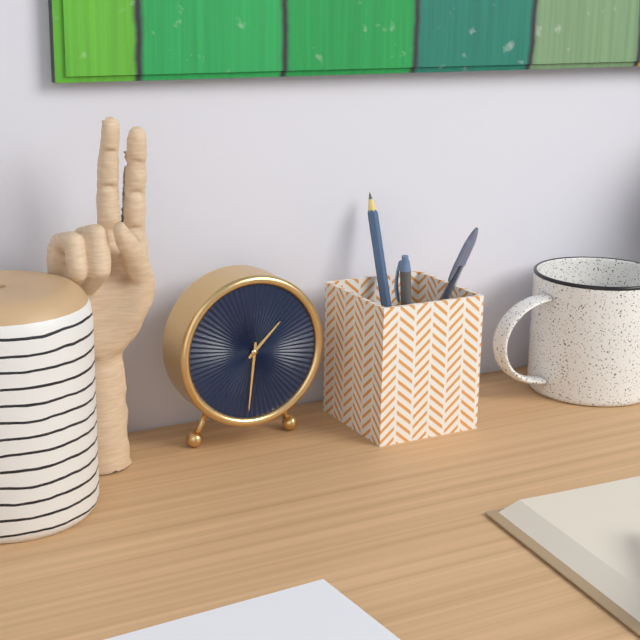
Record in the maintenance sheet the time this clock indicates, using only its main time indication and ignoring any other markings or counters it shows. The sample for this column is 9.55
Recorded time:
1.31
